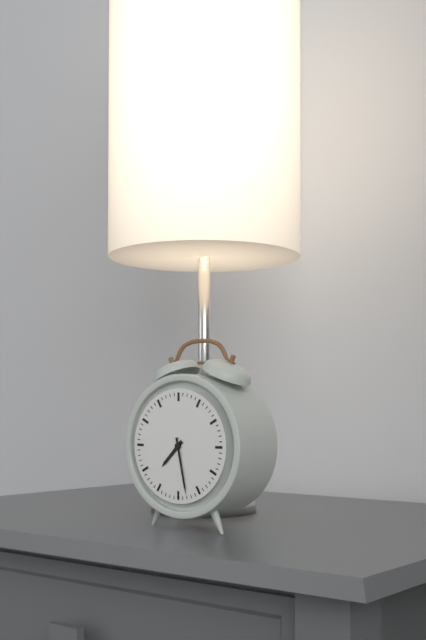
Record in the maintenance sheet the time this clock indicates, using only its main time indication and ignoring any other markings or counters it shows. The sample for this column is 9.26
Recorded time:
7.28
